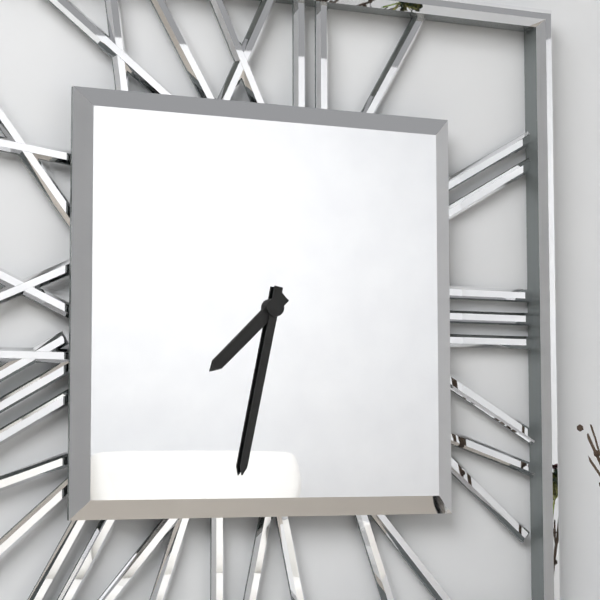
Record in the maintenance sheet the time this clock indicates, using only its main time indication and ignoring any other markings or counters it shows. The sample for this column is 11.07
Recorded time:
7.32
